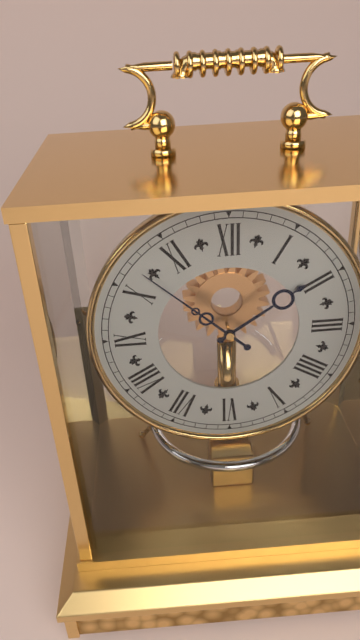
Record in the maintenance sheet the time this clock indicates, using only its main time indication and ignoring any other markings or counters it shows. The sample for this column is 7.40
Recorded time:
1.52
